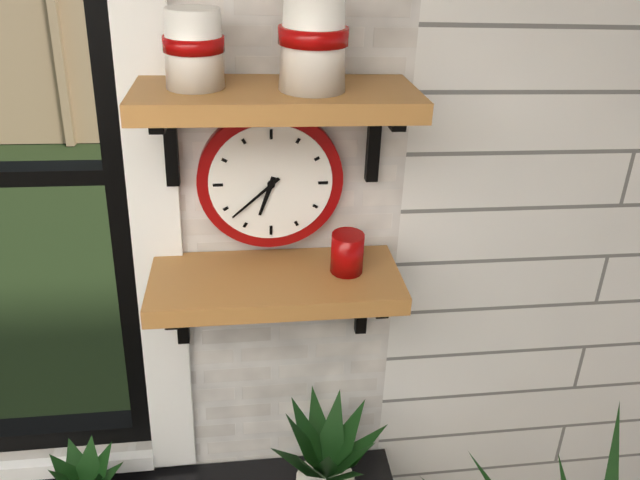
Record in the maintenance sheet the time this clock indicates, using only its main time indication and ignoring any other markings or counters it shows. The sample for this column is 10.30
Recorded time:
6.38
